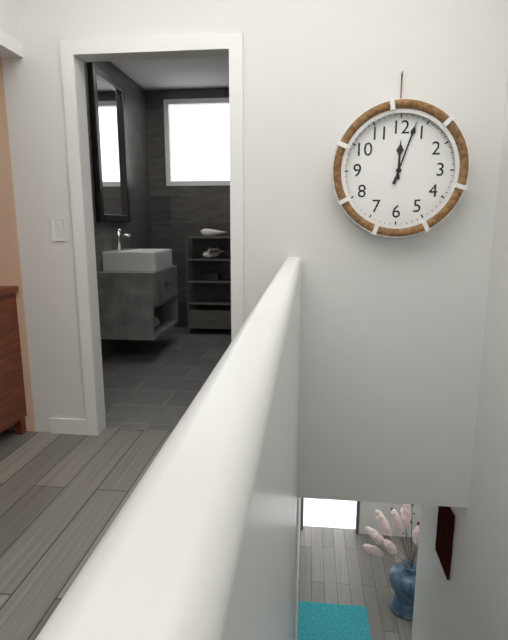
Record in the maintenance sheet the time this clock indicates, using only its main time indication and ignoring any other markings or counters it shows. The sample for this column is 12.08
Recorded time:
12.03
